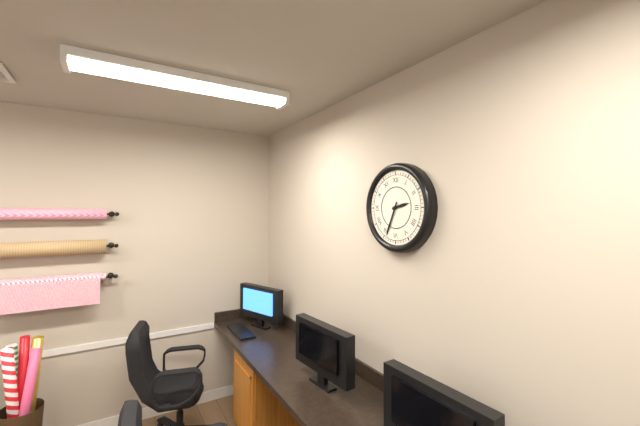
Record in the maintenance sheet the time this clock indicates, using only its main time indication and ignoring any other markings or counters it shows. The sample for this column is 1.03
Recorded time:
2.34
